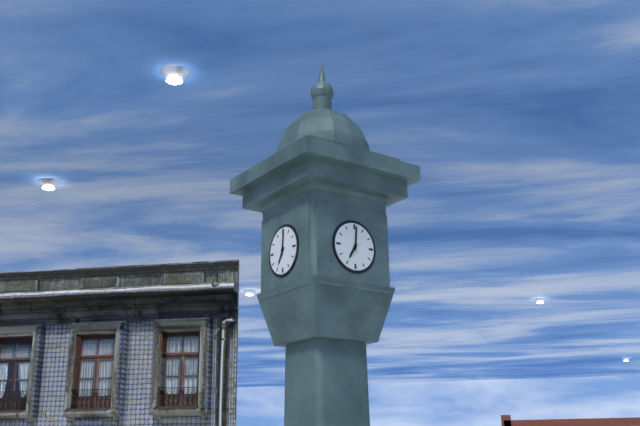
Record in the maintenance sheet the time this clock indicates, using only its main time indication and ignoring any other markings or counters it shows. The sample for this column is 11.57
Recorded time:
7.01
